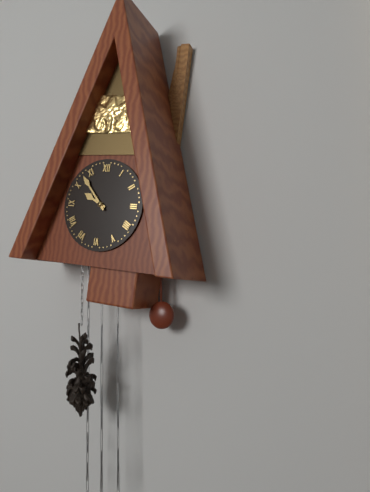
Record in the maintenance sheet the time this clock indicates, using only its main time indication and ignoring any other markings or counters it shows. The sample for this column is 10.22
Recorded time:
9.53
